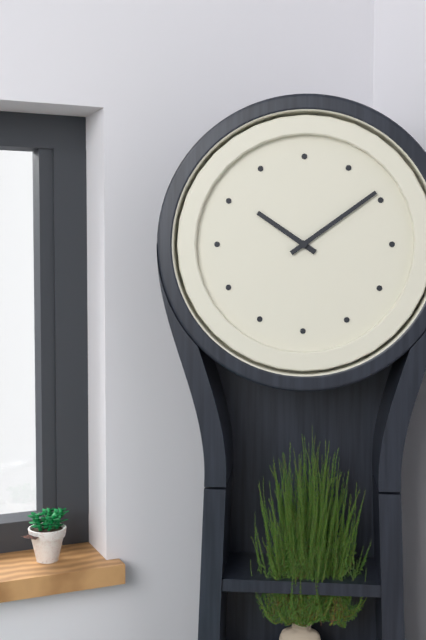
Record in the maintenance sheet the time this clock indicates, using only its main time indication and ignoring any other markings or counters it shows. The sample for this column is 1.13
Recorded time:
10.09
